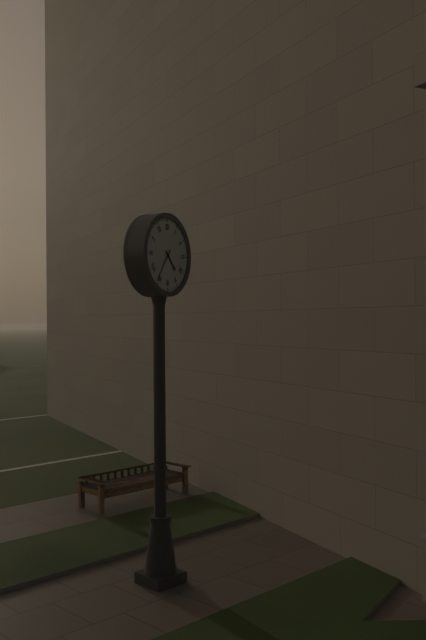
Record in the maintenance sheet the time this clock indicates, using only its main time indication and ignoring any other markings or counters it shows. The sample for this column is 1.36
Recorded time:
4.36
